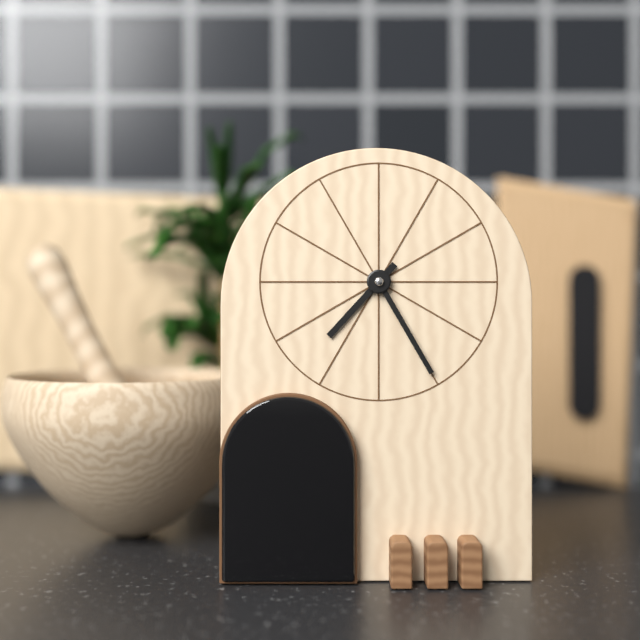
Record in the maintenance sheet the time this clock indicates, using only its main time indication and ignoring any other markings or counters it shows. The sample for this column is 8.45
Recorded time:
7.25
